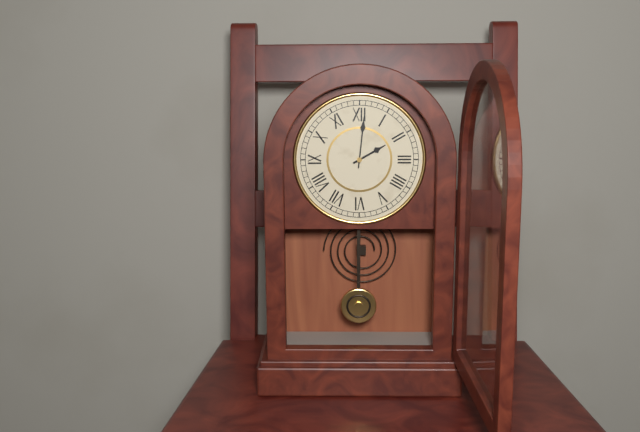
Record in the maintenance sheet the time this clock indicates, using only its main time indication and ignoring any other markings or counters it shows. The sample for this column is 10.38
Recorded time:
2.01
